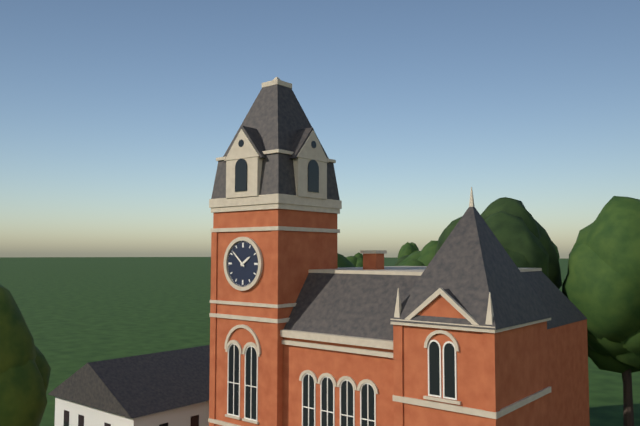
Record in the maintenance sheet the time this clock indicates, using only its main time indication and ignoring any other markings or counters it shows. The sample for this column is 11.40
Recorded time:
1.52
